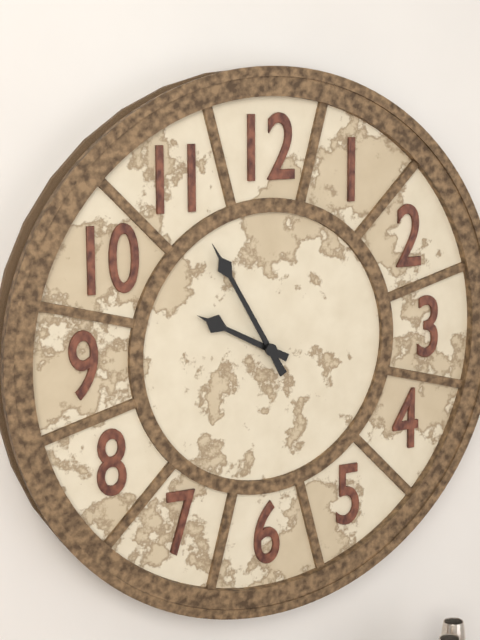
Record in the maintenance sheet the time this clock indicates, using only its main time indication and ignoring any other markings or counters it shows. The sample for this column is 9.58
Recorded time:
9.55
